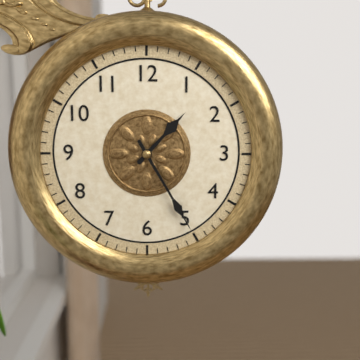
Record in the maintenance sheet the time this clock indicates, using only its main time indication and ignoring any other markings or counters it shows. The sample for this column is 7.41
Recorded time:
1.25
